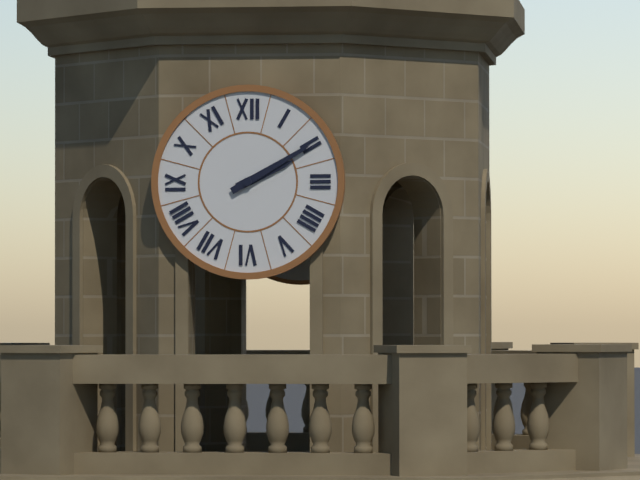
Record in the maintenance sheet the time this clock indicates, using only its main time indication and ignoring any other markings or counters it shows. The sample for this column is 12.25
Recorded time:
2.10
